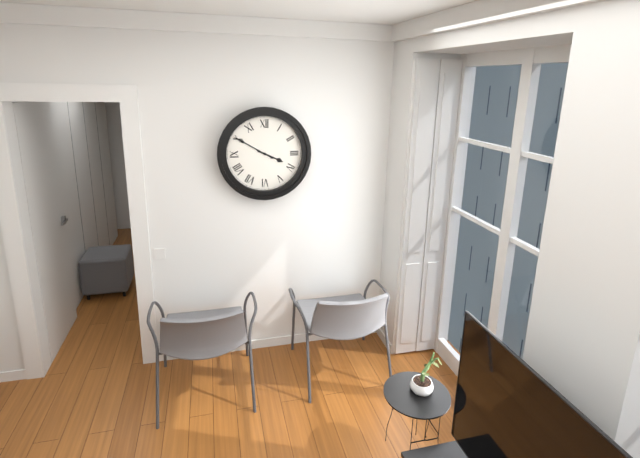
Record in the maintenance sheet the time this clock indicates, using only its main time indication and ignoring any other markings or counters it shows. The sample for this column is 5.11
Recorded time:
3.50
